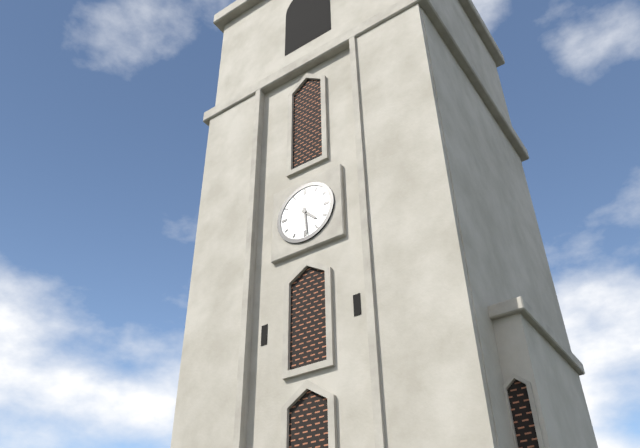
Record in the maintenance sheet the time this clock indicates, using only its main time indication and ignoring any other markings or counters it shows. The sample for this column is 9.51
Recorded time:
4.29
